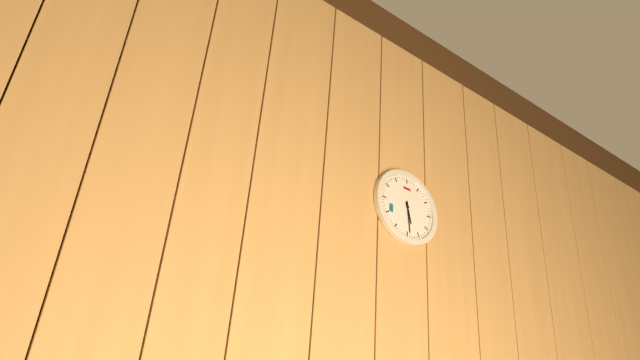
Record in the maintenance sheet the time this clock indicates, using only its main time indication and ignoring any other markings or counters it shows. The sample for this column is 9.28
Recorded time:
5.29
